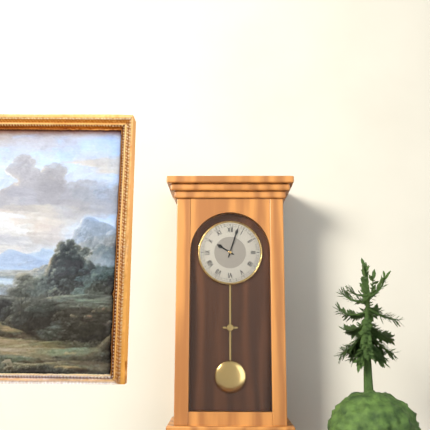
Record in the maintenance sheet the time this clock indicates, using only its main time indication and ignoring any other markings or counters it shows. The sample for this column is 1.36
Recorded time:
10.03
